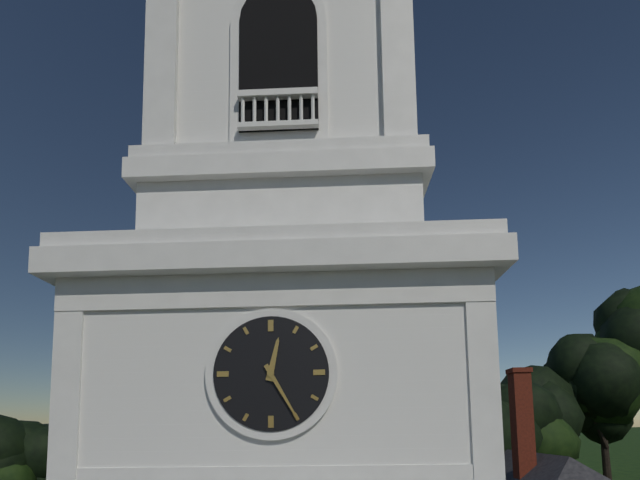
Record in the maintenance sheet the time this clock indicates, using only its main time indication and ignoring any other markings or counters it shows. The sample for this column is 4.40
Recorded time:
12.25
